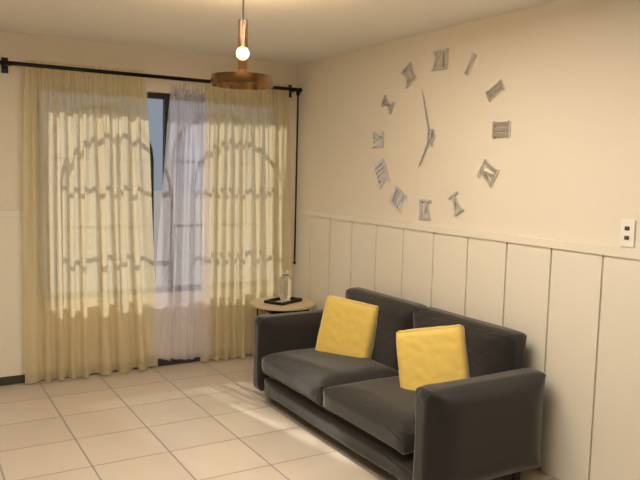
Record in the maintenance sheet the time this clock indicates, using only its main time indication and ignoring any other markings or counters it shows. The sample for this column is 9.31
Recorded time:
6.57
